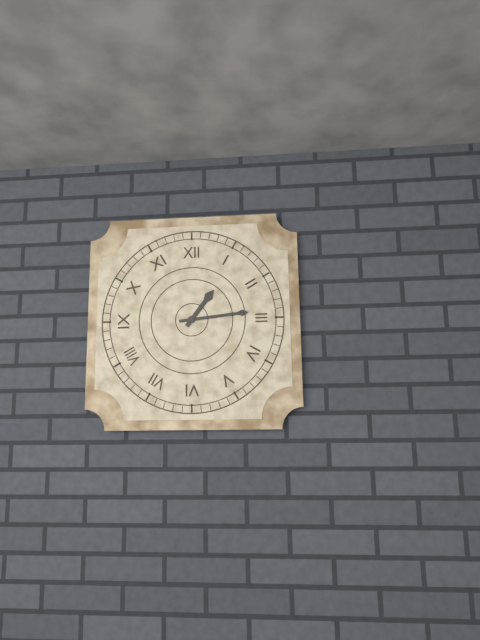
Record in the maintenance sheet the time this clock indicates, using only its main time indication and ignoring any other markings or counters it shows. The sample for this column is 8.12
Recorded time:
1.14
